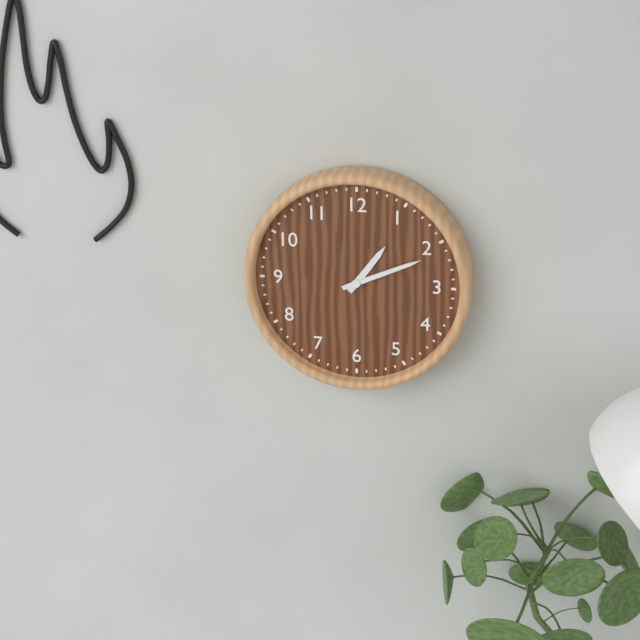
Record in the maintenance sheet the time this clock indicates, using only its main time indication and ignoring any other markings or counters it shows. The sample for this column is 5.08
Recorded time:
1.11
